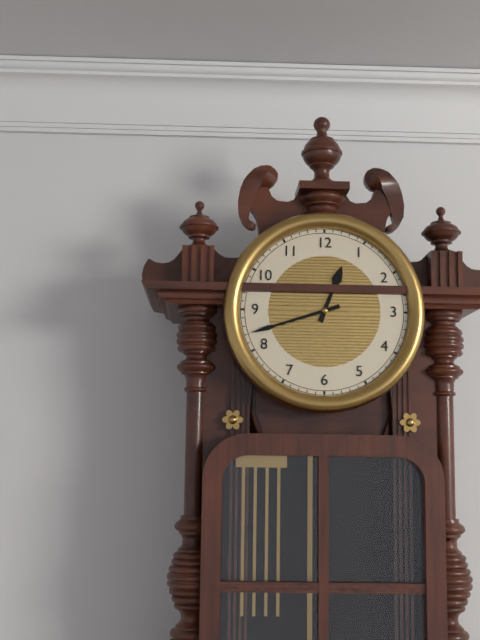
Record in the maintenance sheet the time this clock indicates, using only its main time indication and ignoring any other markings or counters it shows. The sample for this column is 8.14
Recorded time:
12.42
